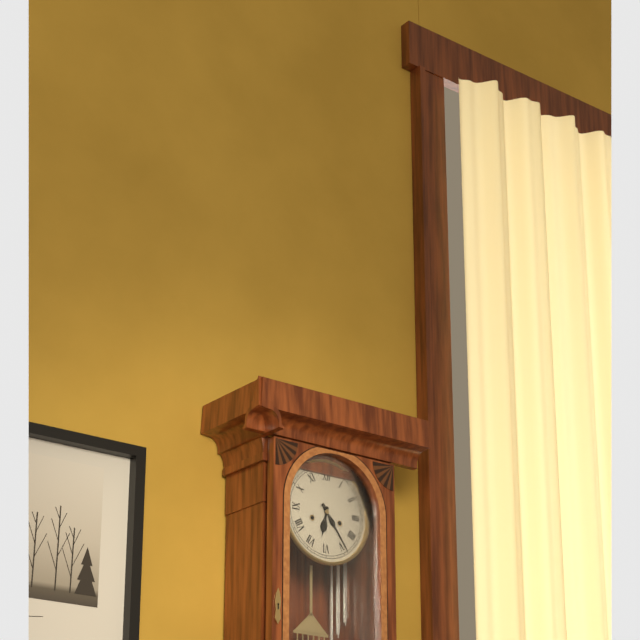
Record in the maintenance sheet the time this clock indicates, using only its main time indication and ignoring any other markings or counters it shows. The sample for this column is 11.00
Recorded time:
6.24
